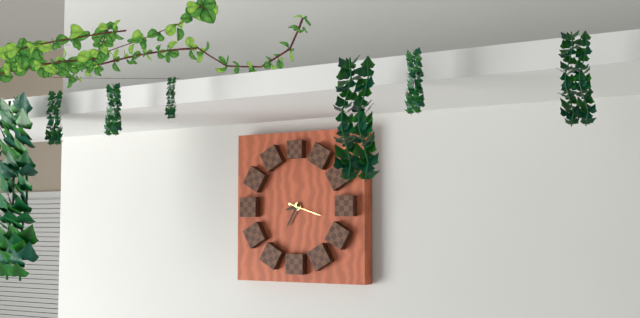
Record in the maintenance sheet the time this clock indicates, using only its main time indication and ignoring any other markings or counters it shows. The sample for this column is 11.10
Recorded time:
8.35
